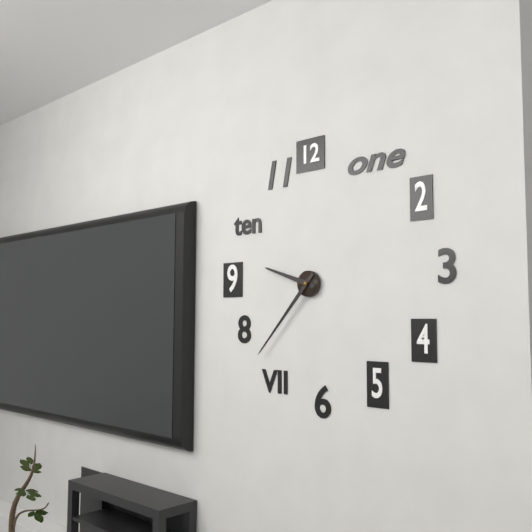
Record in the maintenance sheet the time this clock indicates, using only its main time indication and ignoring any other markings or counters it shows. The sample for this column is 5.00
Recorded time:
9.37
